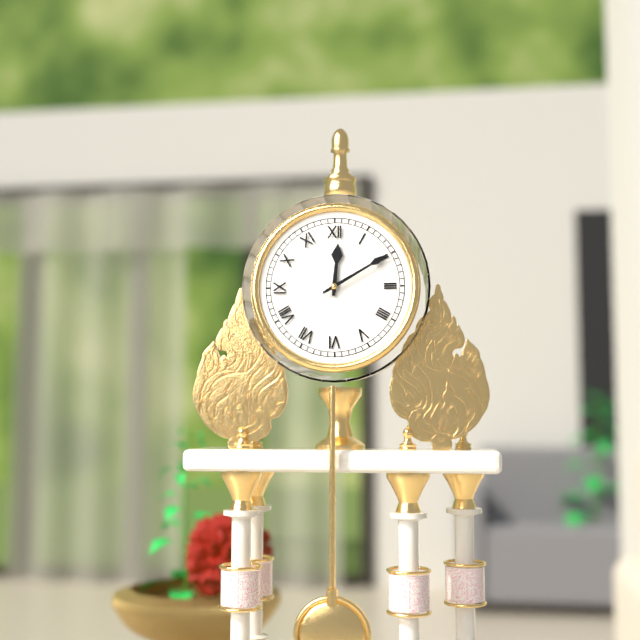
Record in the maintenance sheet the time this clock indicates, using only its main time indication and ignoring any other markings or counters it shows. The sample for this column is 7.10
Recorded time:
12.10
